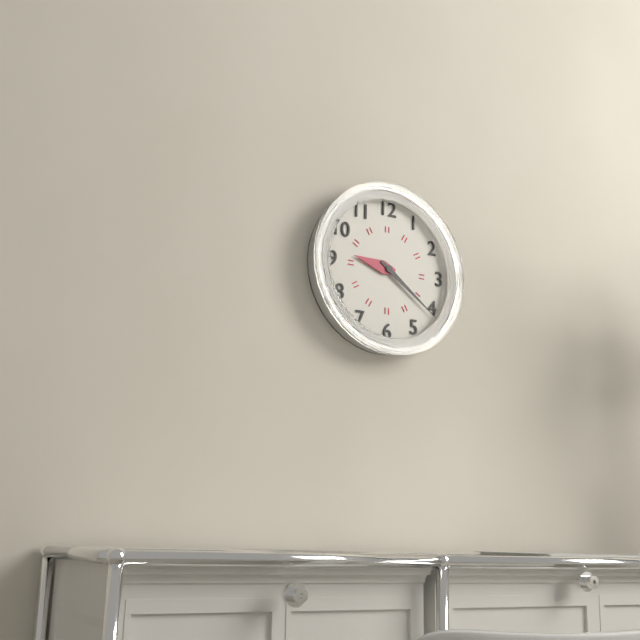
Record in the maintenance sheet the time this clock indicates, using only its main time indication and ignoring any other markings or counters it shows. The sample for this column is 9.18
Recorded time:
9.21
